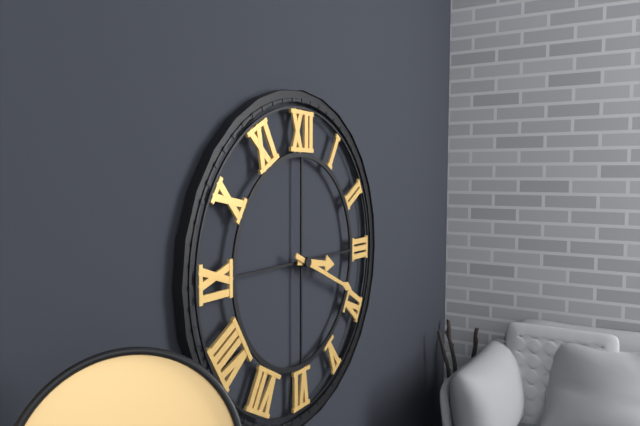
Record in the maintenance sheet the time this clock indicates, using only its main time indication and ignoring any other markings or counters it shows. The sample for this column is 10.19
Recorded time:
3.19
